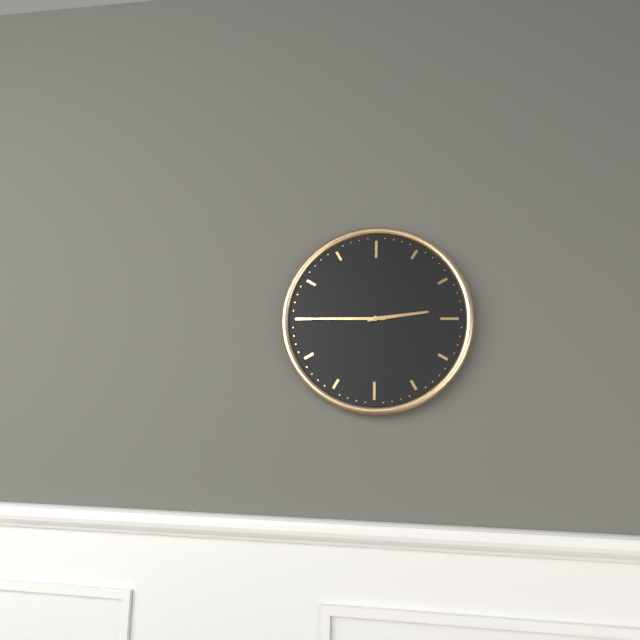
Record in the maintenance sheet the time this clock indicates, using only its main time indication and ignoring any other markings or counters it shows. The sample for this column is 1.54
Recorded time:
2.45
